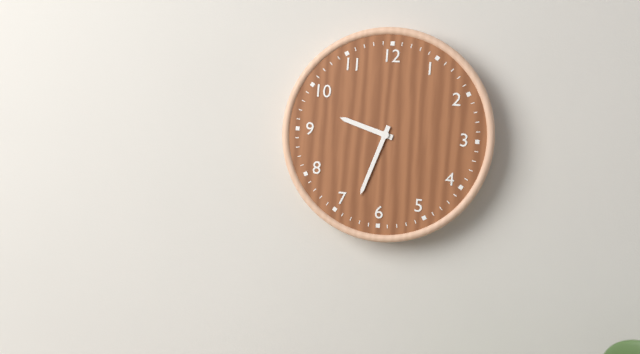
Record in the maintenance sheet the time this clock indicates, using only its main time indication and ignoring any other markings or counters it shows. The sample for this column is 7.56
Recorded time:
9.33
